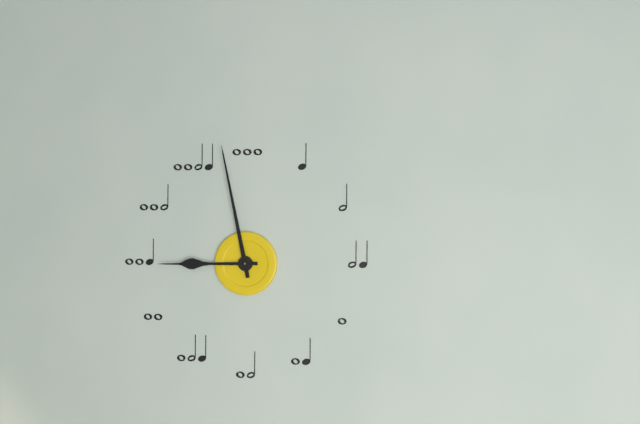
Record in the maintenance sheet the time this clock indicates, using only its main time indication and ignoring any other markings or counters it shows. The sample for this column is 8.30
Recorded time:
8.58
